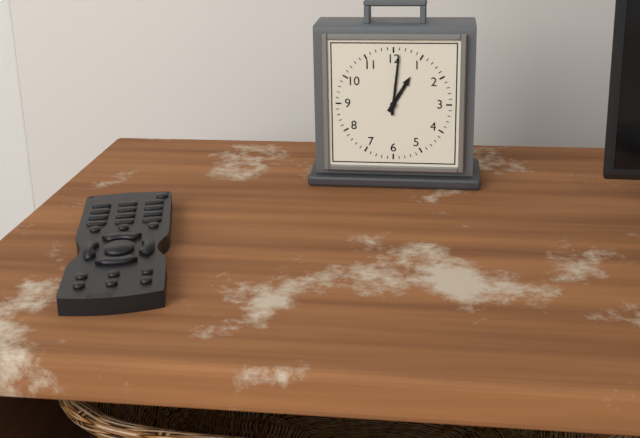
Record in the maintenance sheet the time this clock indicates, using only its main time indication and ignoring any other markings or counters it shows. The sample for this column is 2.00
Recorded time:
1.01
